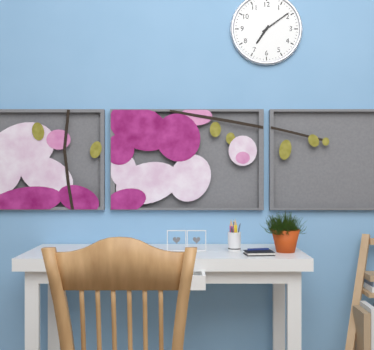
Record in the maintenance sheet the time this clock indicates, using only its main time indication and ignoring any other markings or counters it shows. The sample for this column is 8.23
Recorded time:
7.09
